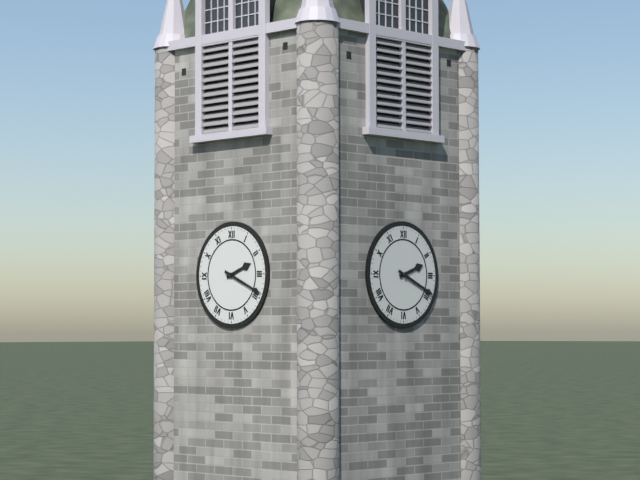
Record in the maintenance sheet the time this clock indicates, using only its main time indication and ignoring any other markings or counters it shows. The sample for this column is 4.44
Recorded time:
2.19
